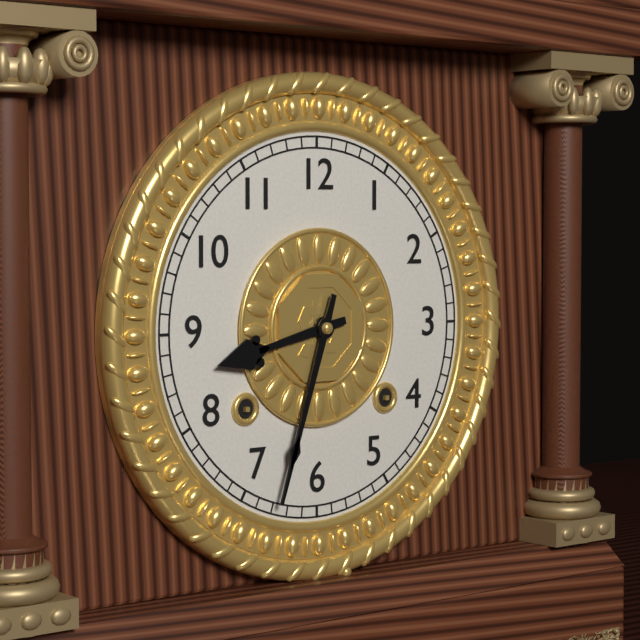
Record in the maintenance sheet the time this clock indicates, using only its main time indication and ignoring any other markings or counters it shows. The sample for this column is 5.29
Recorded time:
8.33
